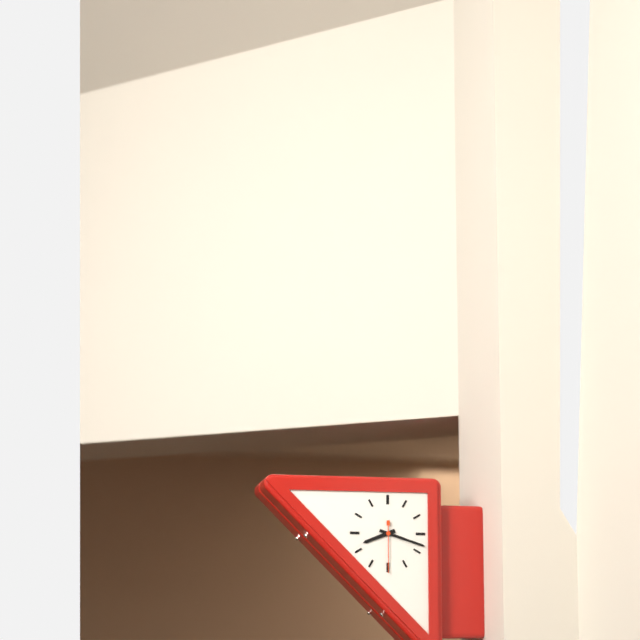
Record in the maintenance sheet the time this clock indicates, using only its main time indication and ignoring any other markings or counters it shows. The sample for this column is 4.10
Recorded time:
8.18
